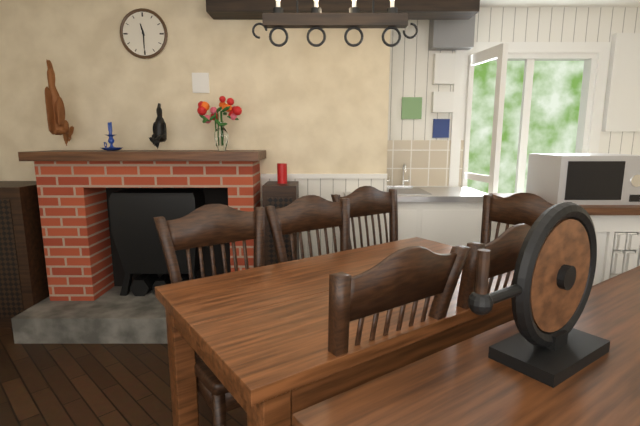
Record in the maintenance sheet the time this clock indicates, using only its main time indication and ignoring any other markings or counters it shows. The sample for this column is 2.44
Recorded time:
11.30
